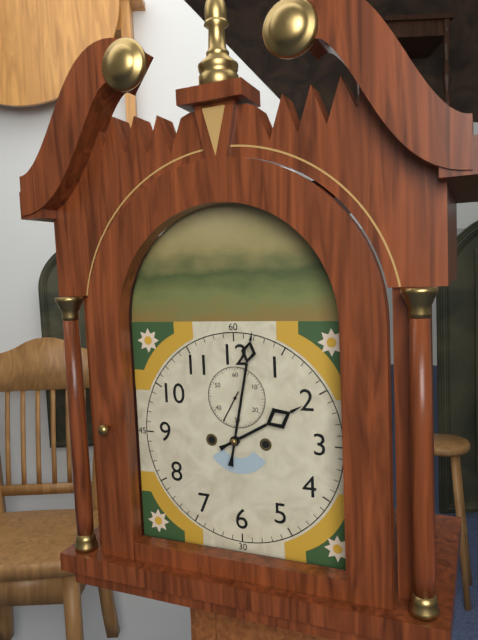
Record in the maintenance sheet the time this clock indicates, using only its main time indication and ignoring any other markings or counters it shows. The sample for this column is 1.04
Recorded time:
2.02
